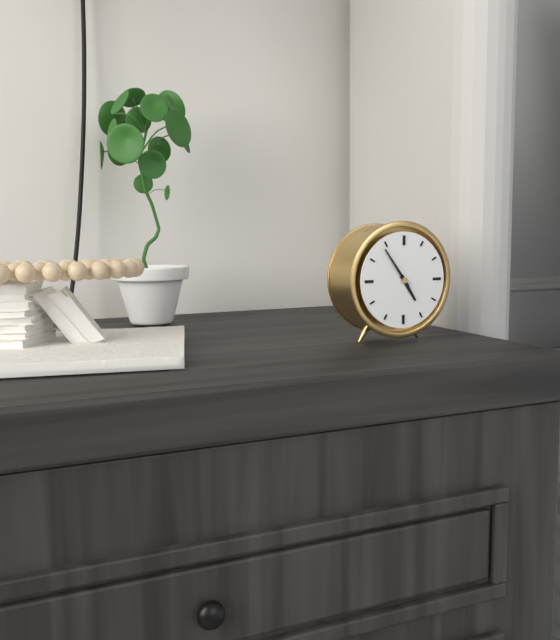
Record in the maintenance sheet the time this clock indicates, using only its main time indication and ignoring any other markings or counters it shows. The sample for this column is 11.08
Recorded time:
4.54
